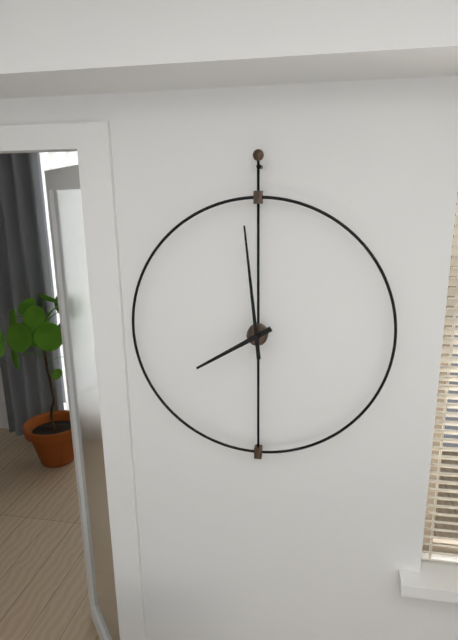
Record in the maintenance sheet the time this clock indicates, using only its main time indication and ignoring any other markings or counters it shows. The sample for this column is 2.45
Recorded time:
7.59
